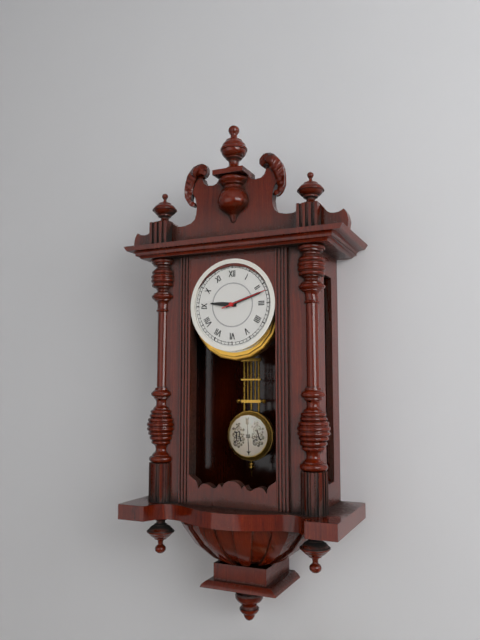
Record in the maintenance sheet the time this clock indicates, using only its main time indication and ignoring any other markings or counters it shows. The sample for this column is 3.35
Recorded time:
9.12
